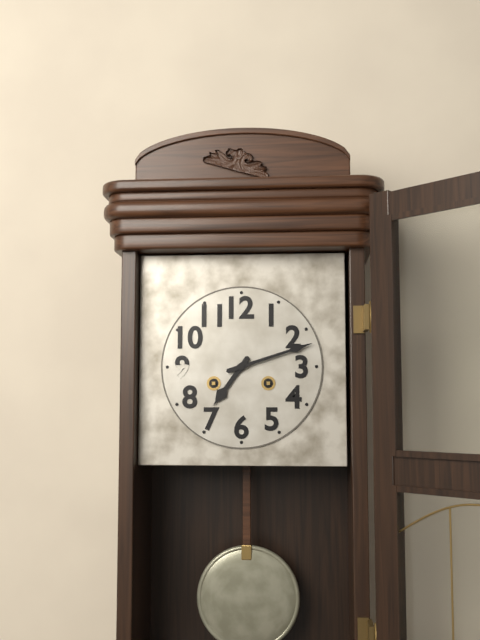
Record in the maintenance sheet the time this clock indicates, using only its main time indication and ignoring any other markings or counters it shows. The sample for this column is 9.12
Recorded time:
7.12
